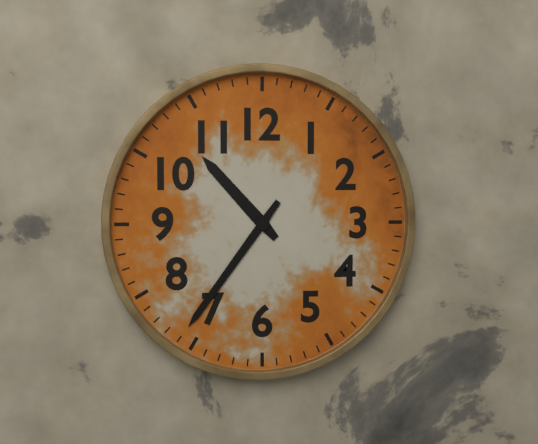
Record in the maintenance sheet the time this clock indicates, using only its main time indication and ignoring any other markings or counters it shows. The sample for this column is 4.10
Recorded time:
10.36
